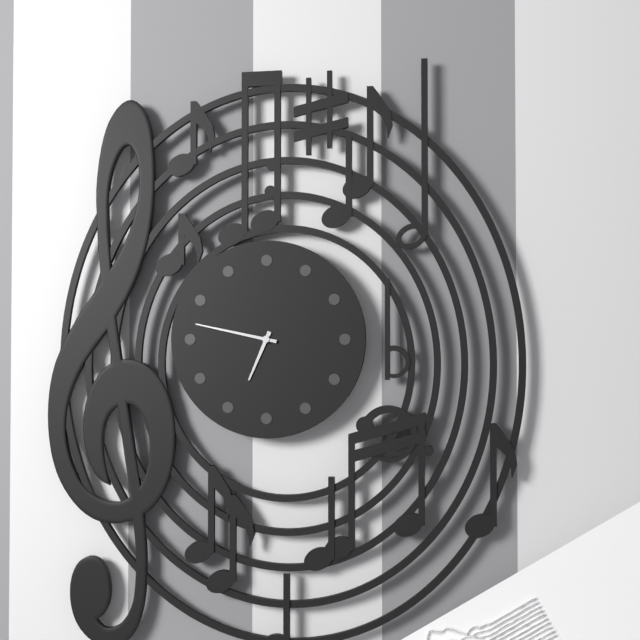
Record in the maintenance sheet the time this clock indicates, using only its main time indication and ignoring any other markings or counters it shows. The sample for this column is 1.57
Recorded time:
6.47
